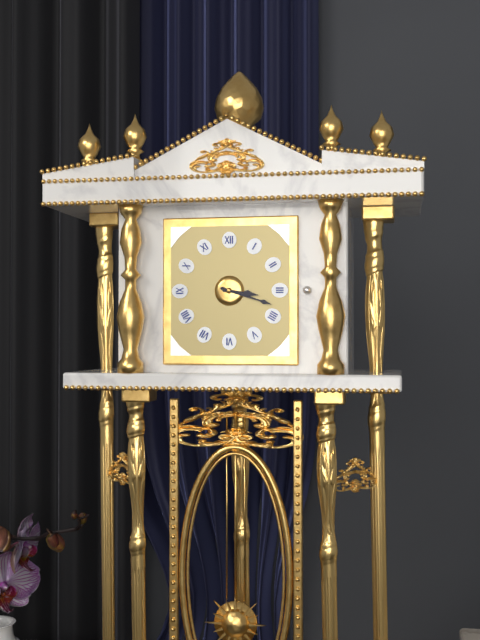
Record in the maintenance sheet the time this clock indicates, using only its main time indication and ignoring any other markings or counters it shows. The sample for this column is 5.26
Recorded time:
3.18
